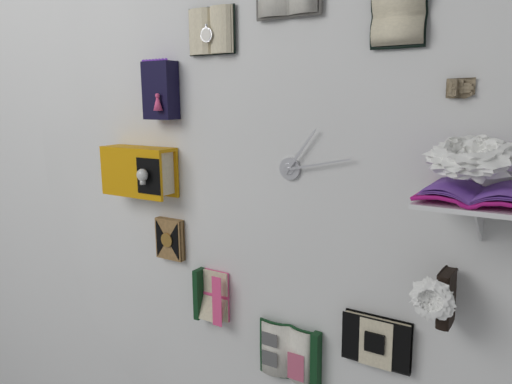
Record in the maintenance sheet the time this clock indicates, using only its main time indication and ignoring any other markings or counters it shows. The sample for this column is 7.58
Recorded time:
1.13
